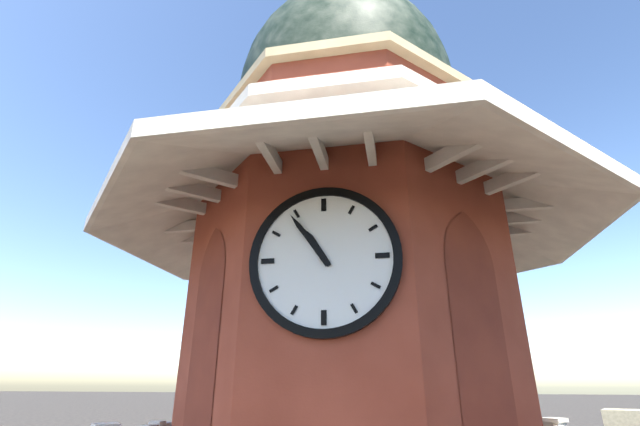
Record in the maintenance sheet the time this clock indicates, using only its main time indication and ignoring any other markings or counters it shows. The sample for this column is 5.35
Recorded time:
10.54
